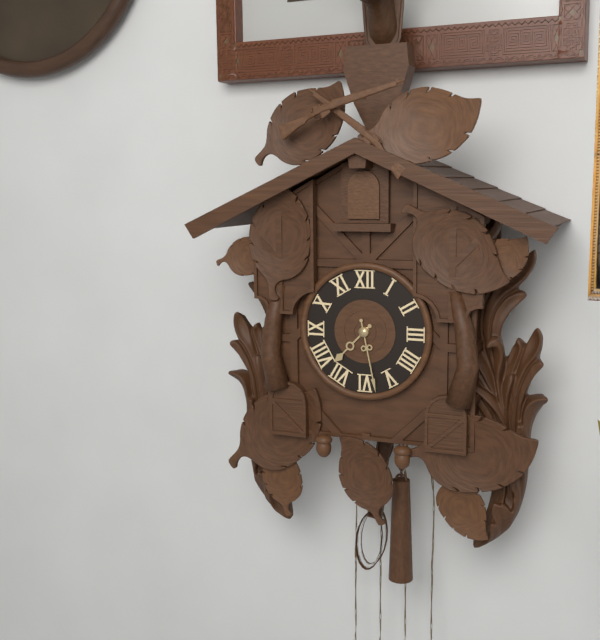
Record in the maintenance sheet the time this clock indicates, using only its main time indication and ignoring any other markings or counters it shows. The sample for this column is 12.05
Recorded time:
7.28
